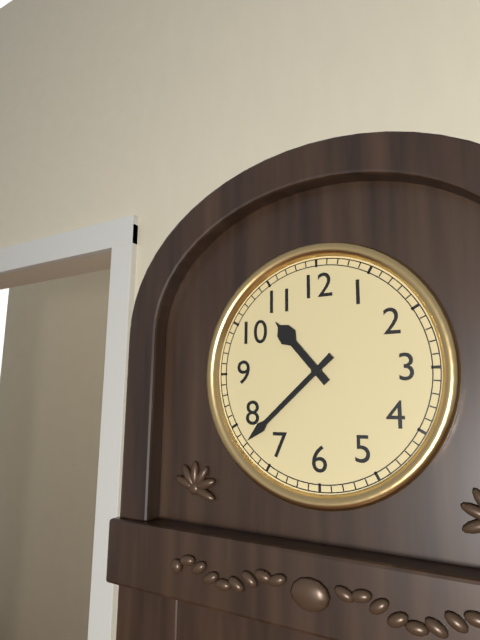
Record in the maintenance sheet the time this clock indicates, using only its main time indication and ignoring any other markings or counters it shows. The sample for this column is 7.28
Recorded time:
10.38
